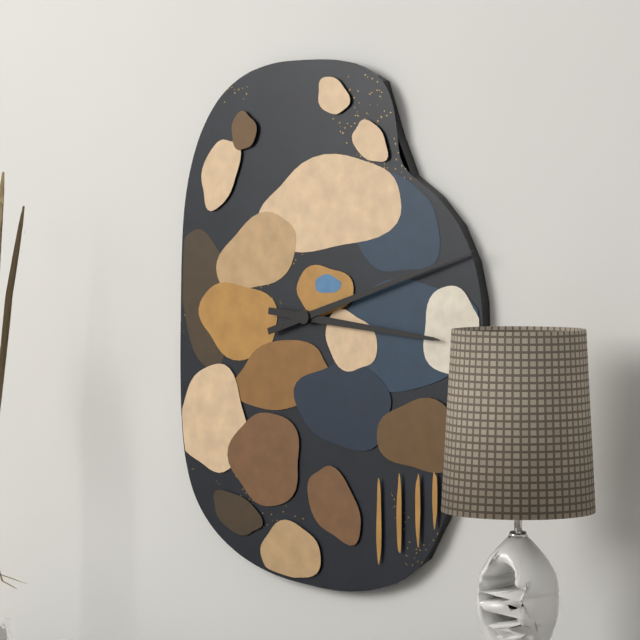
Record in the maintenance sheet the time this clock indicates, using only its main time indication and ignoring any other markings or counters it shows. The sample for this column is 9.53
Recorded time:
3.12
